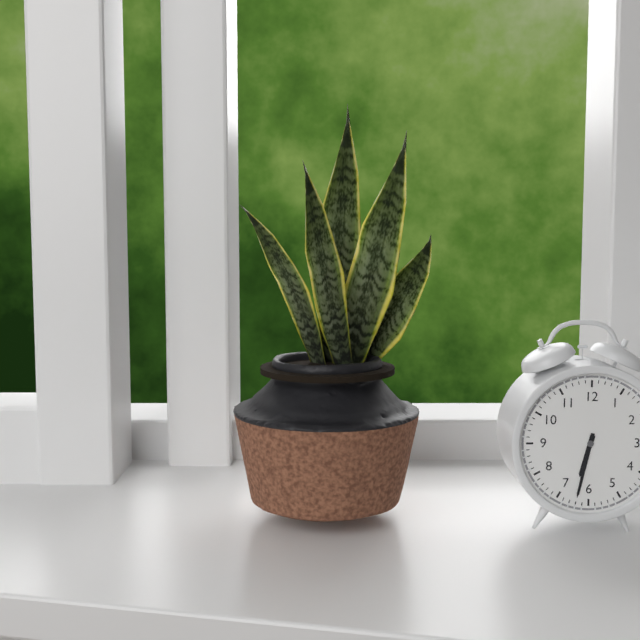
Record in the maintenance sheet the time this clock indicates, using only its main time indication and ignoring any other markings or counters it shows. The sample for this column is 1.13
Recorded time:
6.32
